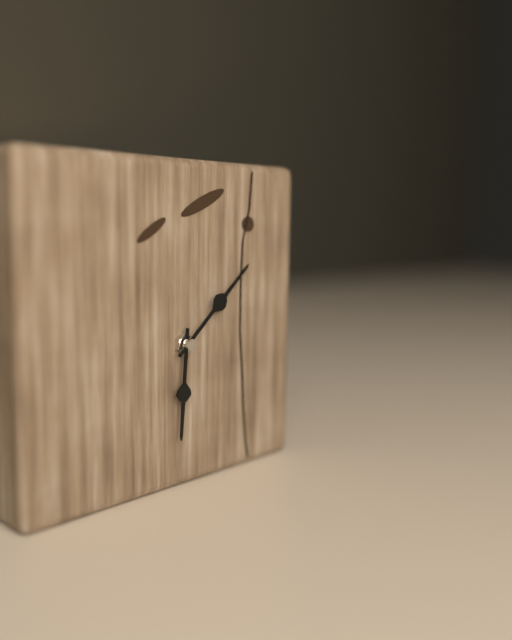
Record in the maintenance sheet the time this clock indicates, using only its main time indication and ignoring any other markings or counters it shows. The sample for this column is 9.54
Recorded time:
6.08
